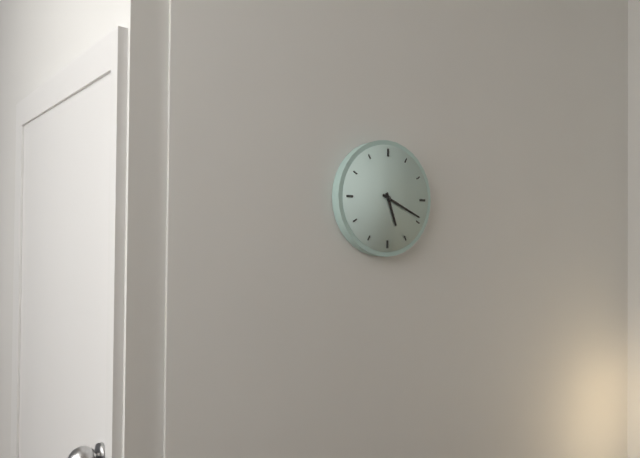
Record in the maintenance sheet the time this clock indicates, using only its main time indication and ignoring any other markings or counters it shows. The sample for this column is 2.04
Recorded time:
5.19
